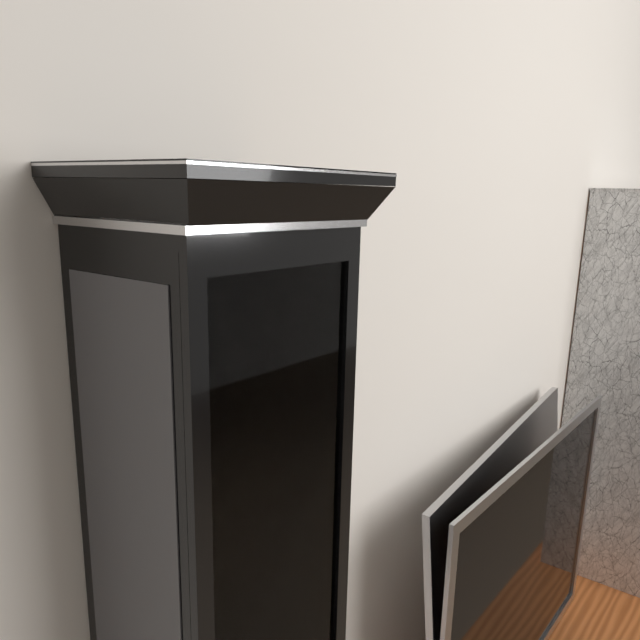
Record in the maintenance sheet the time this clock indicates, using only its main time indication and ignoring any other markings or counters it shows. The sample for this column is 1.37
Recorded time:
3.58
